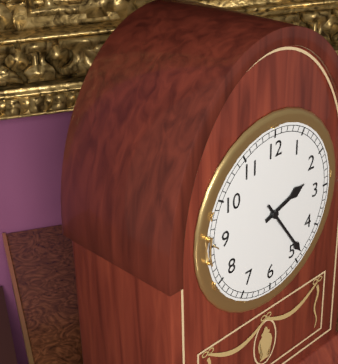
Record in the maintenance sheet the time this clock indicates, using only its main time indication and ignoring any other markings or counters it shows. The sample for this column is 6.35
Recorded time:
2.24
